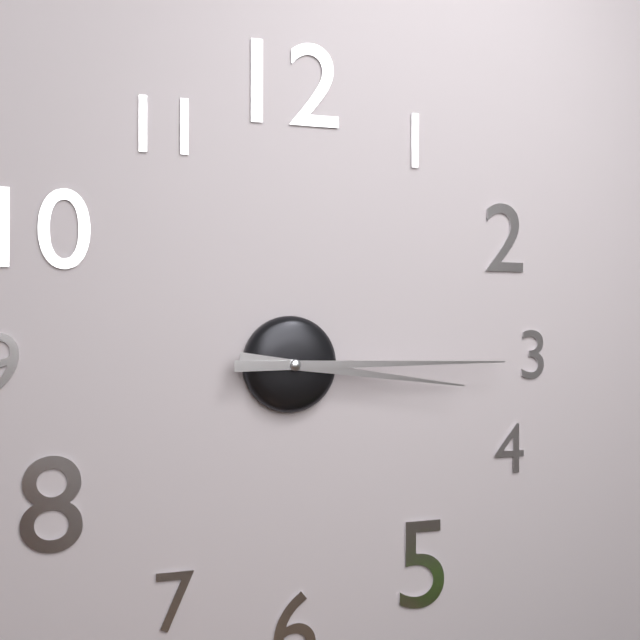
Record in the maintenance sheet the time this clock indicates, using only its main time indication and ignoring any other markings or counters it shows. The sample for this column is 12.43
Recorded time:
3.15
